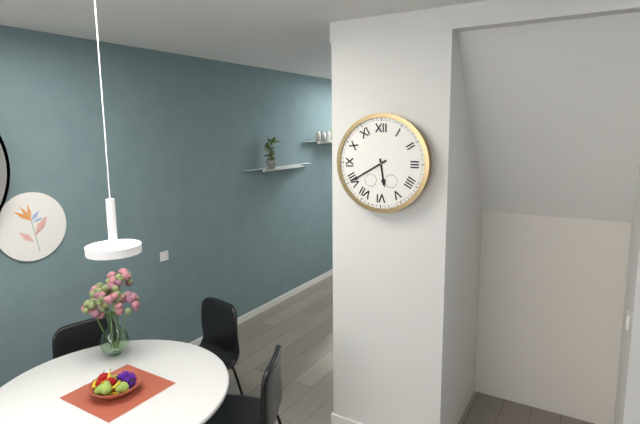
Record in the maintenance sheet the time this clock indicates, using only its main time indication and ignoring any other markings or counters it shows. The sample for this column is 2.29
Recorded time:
5.40
